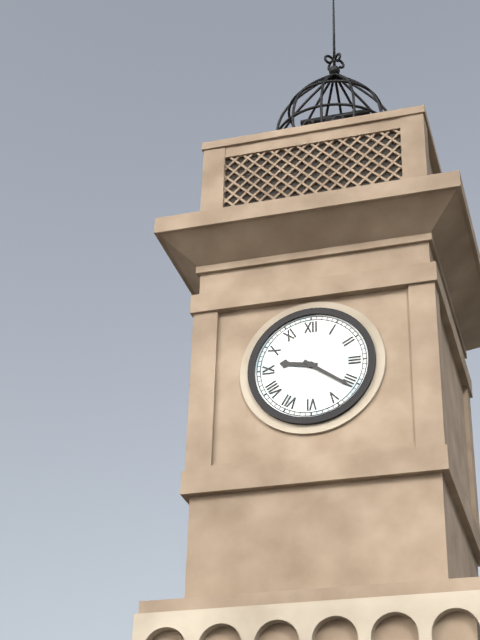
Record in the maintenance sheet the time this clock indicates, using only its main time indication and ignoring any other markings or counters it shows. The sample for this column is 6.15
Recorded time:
9.21
